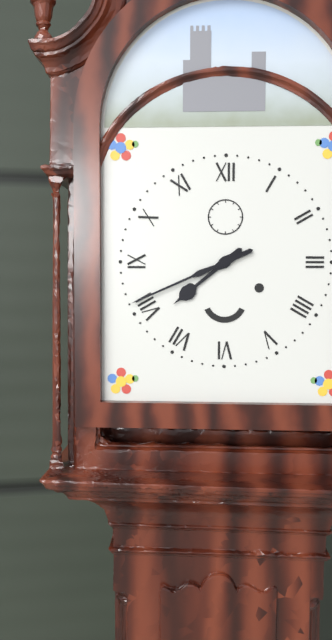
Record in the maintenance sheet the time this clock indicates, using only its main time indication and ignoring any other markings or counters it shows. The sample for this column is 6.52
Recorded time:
7.41
